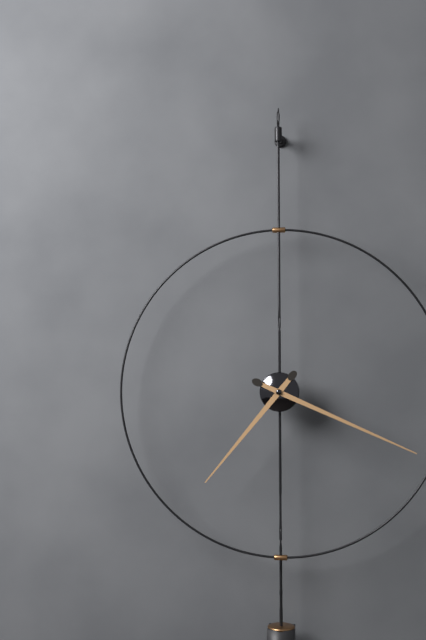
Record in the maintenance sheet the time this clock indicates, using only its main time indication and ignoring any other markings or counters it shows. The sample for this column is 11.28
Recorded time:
7.19
